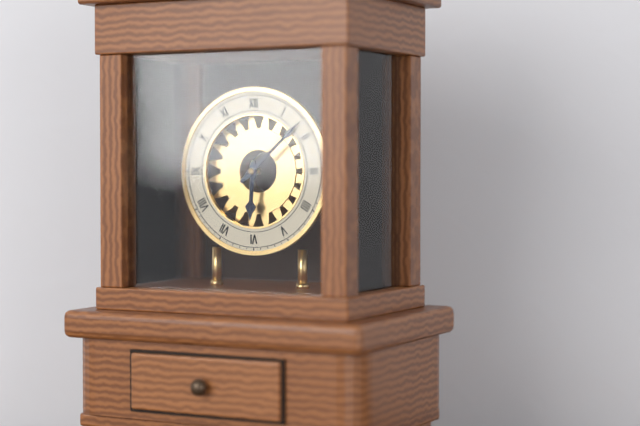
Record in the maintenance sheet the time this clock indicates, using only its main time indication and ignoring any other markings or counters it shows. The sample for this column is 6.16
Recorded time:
6.08
